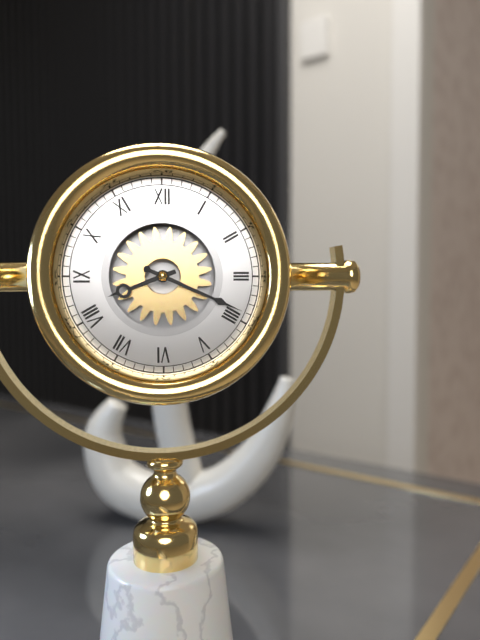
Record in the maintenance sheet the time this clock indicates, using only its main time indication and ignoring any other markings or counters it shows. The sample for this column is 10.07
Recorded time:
8.19
